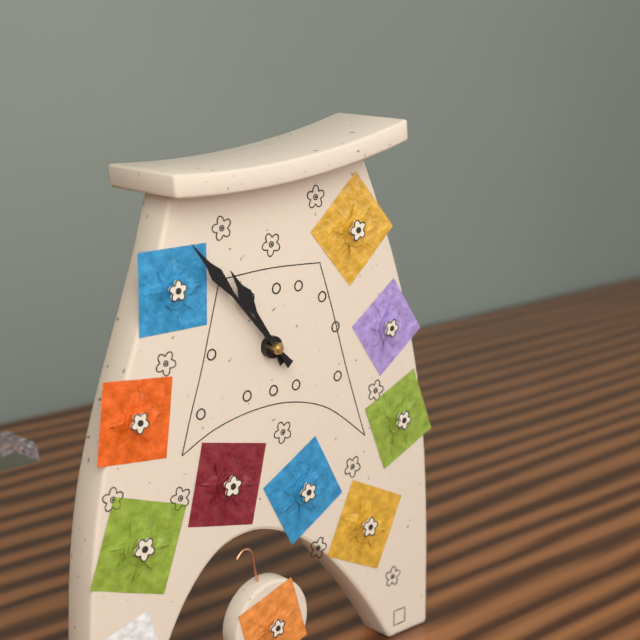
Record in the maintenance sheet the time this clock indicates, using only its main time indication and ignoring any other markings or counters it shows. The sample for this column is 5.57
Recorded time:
10.53
